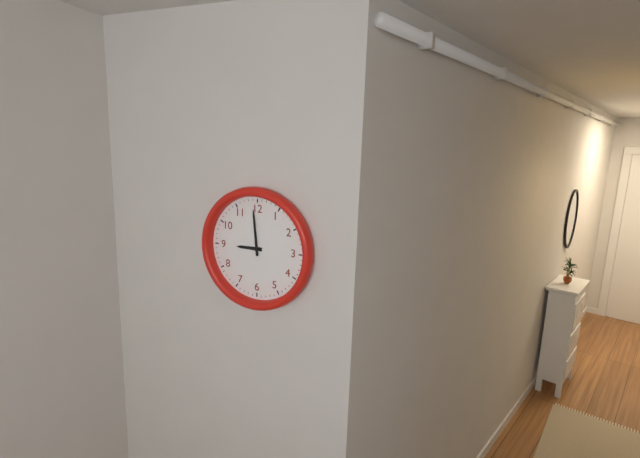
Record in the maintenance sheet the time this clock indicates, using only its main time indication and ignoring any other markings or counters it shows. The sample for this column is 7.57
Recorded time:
8.59
